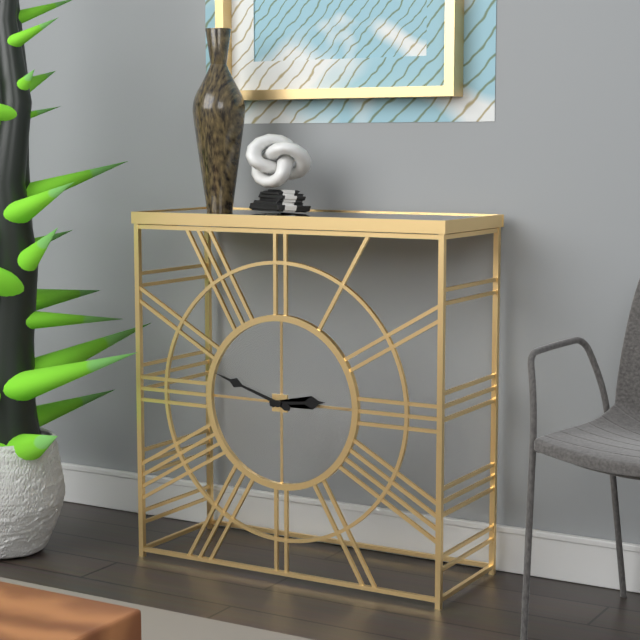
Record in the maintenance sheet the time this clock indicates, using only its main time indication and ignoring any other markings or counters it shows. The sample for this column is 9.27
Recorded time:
2.48
